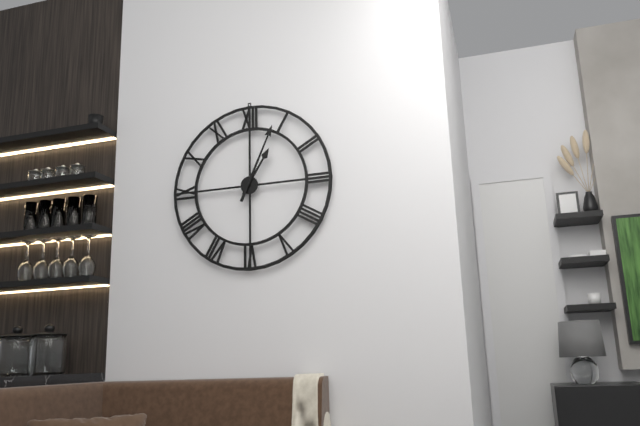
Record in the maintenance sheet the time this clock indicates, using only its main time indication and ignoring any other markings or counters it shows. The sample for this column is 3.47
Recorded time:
1.04
